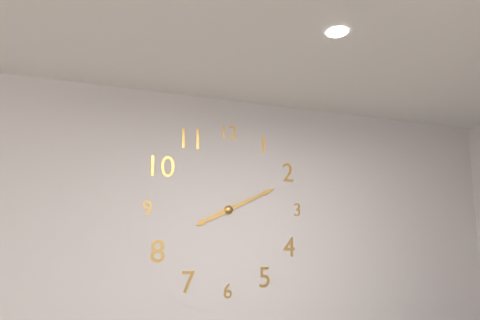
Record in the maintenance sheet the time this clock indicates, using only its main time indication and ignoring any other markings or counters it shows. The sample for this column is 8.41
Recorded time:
8.11
